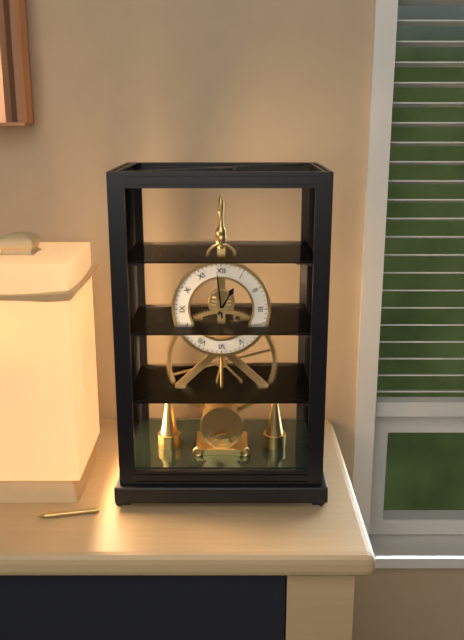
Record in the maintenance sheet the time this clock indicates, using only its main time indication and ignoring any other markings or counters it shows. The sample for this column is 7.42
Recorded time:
12.59
